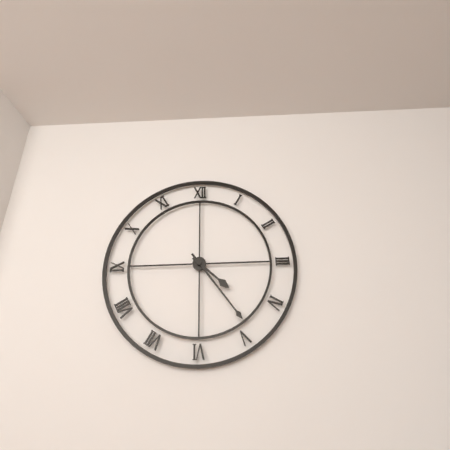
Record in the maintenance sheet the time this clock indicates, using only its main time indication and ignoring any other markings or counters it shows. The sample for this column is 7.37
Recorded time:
4.24
